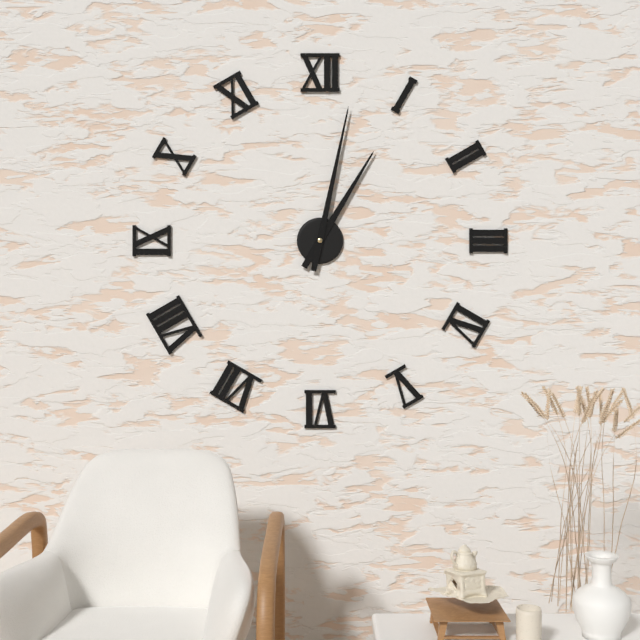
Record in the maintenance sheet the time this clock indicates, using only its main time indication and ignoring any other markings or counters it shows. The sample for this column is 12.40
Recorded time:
1.02
